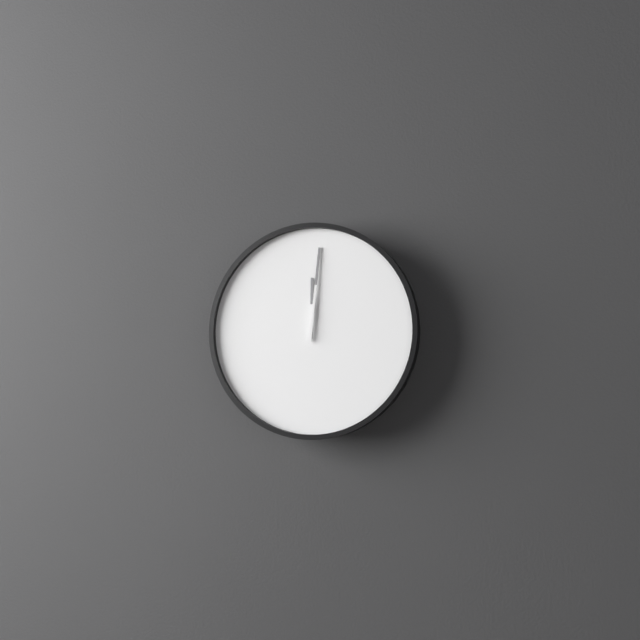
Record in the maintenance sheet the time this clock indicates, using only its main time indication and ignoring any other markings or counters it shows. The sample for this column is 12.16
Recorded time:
12.01
